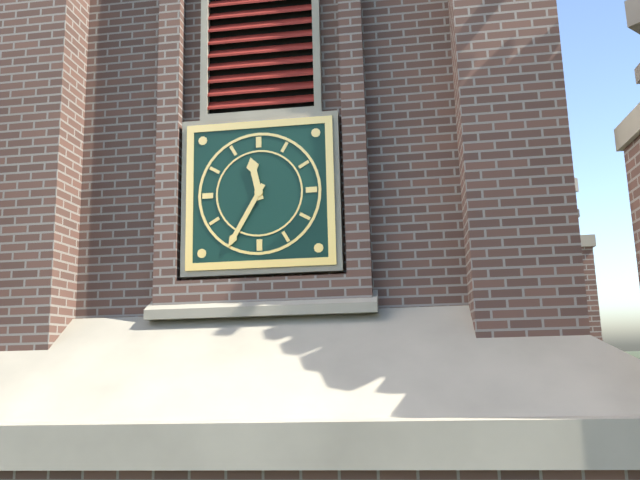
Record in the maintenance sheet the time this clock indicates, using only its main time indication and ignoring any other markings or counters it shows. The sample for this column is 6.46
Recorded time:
11.35
